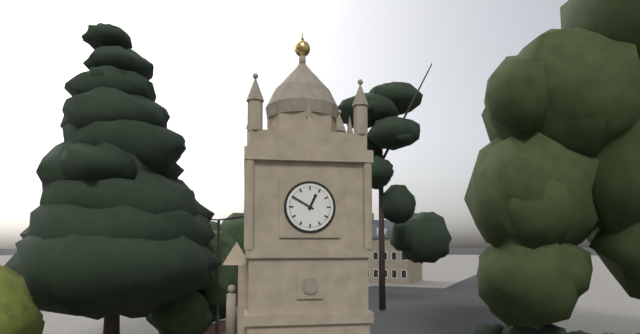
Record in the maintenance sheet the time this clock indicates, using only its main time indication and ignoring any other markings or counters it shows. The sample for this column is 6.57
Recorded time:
12.50
